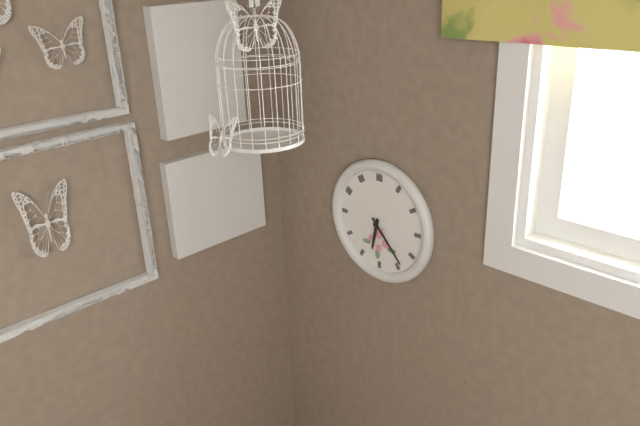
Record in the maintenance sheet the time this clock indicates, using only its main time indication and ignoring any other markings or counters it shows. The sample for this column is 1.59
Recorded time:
6.23
